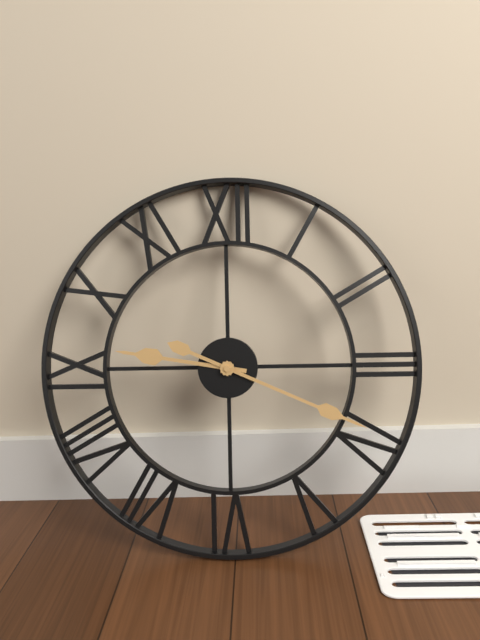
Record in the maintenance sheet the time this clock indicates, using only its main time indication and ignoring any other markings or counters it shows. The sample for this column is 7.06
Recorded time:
9.19
